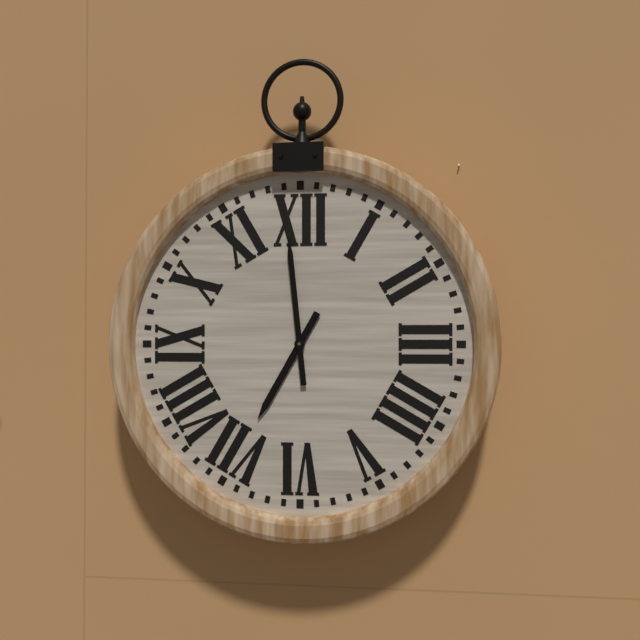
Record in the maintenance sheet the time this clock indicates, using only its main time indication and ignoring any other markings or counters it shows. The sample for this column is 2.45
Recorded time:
6.59
